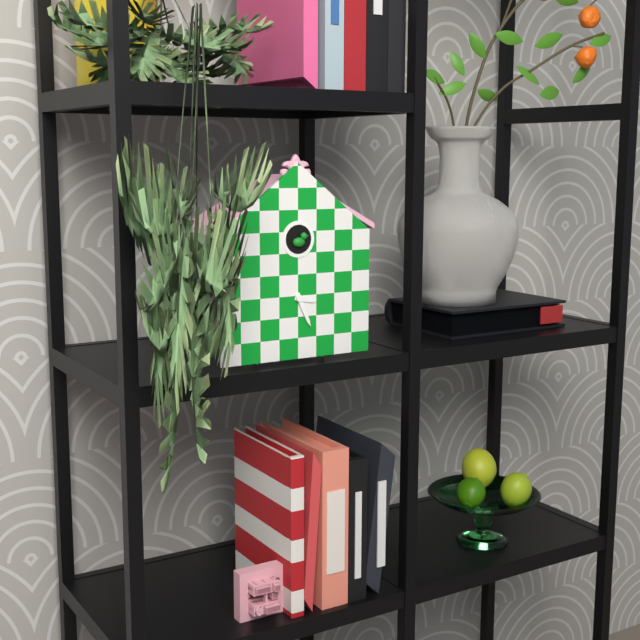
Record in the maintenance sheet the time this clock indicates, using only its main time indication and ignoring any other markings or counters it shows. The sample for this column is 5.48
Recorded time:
3.26
